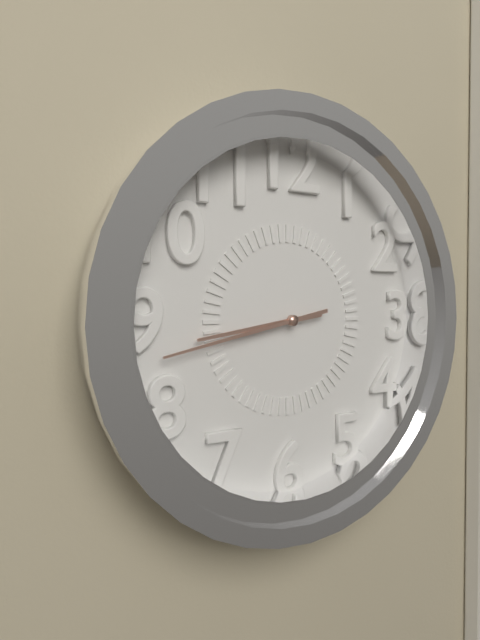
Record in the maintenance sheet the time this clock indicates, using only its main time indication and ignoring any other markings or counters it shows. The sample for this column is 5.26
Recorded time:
8.43
